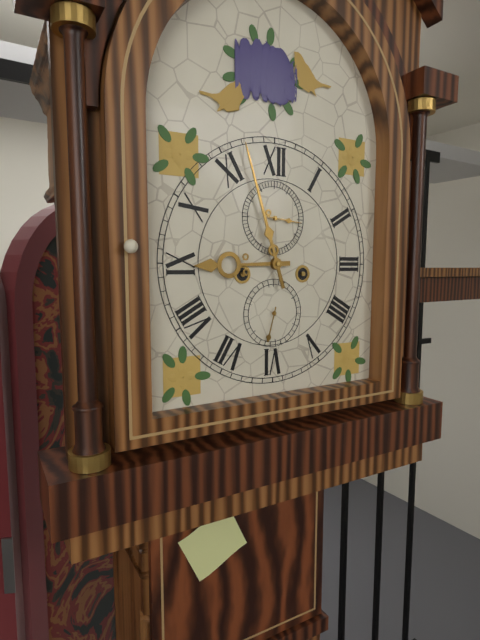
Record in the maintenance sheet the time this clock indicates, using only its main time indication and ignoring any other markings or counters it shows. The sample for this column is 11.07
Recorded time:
8.57
